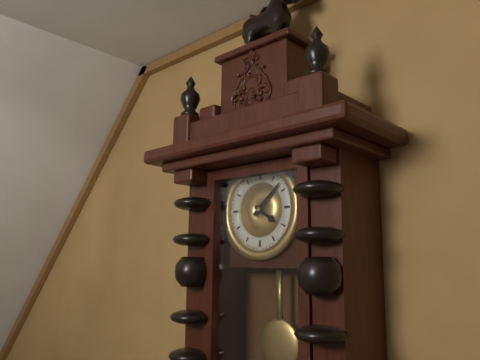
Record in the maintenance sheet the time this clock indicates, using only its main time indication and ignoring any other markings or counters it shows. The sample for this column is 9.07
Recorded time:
4.08
